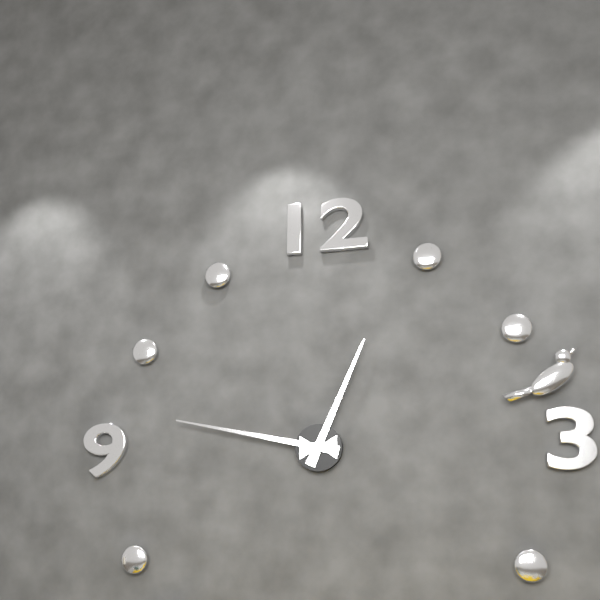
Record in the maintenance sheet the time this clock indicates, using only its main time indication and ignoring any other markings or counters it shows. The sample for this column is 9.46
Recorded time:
12.47
